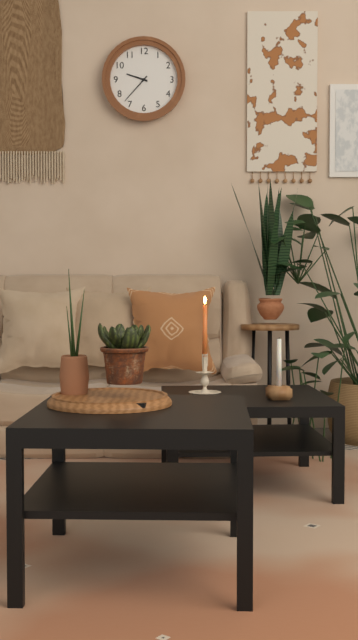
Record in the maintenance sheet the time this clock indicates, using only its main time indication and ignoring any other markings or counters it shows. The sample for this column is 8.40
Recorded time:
9.37
